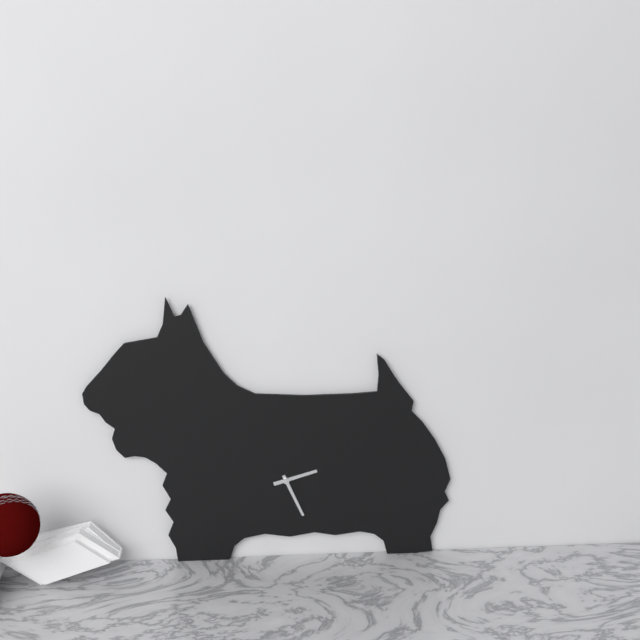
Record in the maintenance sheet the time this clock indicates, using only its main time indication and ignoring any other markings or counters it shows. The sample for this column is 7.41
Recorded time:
2.26
